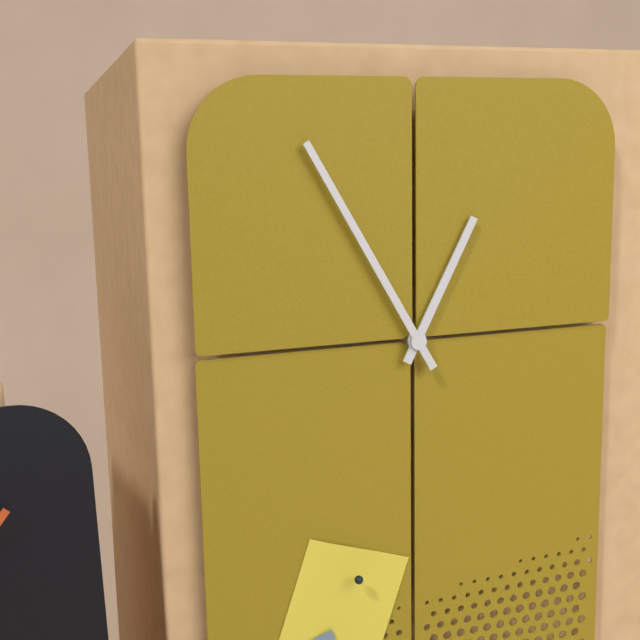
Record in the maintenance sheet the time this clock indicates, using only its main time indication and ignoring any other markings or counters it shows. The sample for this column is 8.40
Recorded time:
12.55
